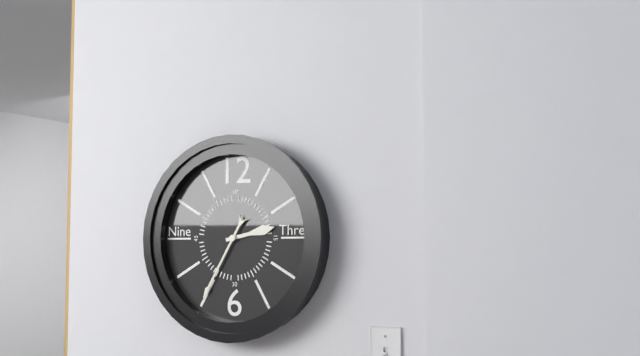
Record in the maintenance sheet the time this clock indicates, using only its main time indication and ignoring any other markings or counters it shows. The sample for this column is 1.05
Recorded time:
2.35
